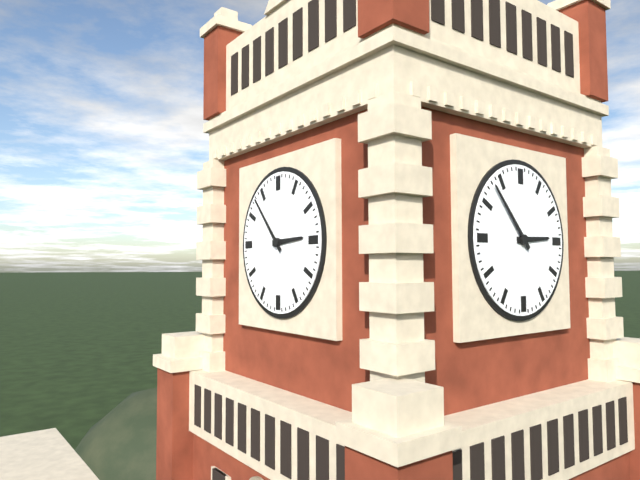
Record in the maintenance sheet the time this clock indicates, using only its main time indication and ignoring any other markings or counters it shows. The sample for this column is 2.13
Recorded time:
2.53
